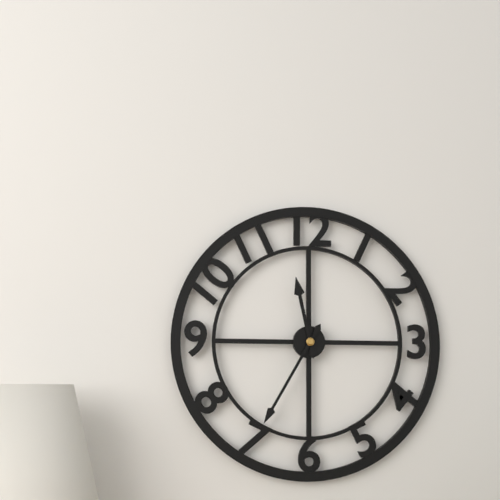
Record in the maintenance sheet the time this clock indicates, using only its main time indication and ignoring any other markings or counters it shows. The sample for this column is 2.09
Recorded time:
11.35
